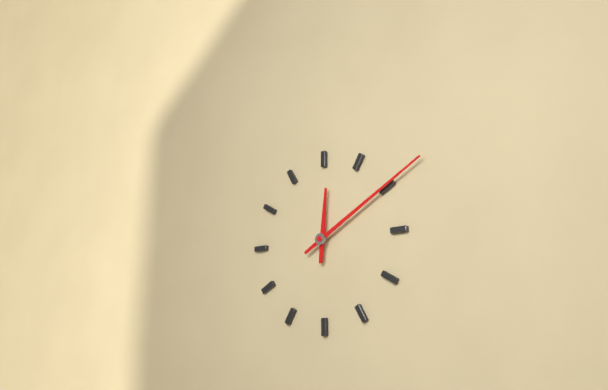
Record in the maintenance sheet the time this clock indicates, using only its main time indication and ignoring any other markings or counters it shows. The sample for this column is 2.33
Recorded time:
12.10
